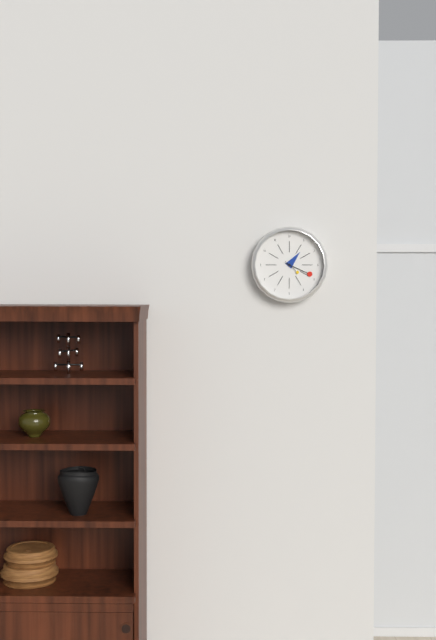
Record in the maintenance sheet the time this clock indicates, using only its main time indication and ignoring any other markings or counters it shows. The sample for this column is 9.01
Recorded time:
1.19
